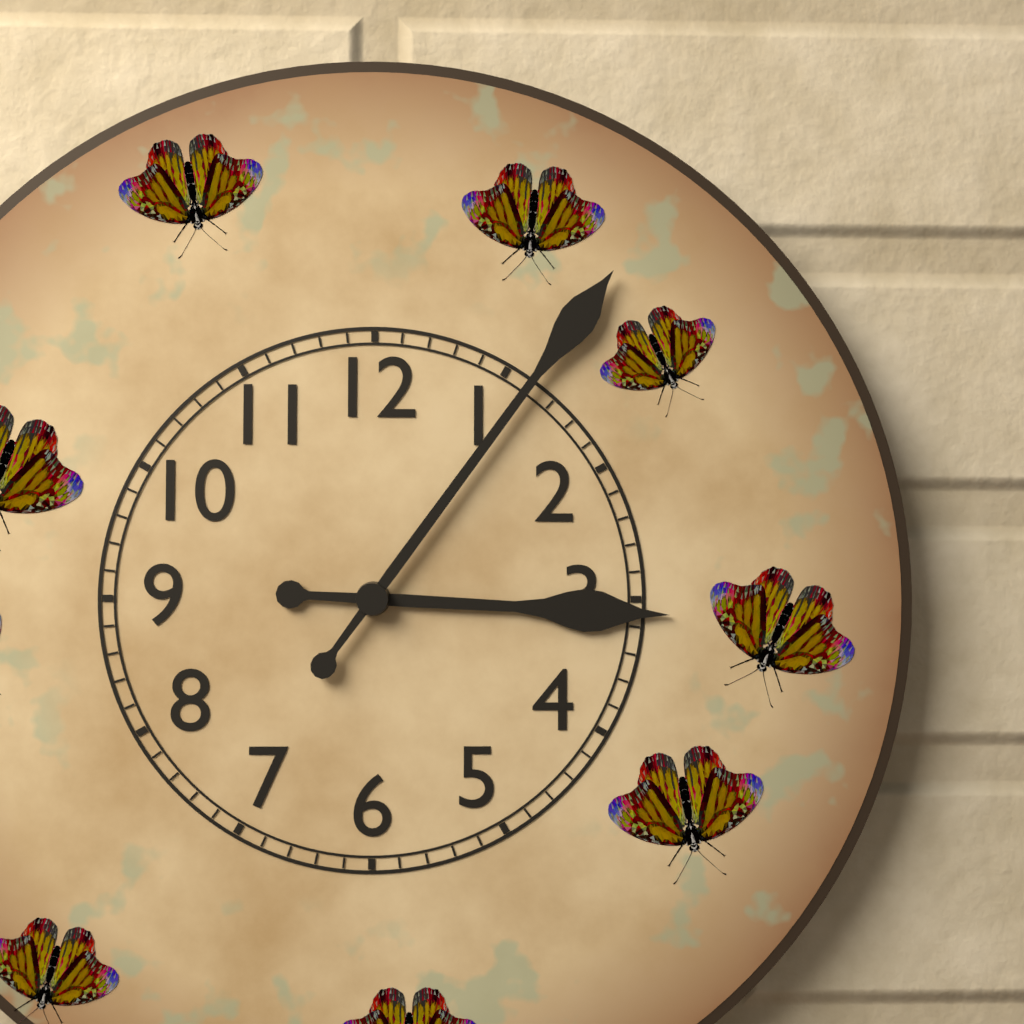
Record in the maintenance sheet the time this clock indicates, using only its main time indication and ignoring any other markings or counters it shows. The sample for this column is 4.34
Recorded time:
3.06
